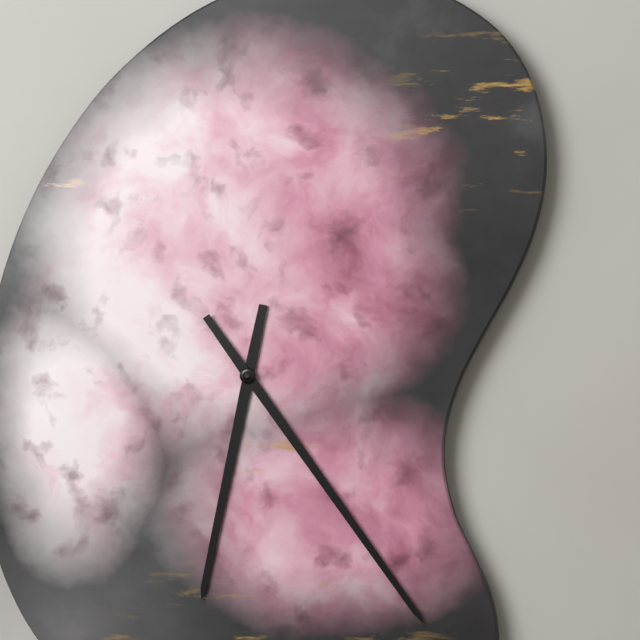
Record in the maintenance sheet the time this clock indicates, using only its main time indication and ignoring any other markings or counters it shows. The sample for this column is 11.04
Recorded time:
6.24
